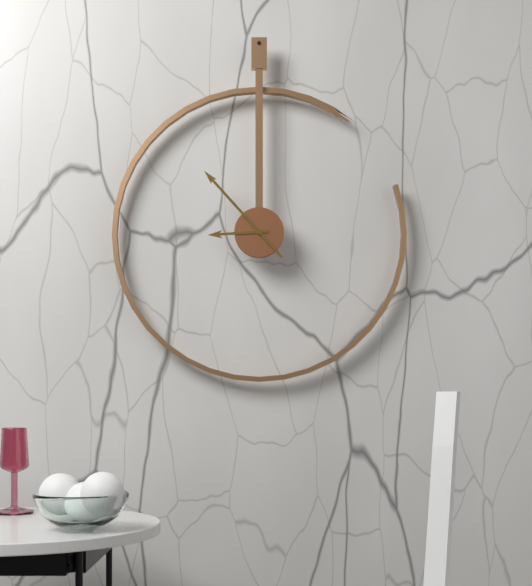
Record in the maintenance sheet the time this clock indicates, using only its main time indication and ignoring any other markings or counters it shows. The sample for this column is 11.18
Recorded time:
8.53
